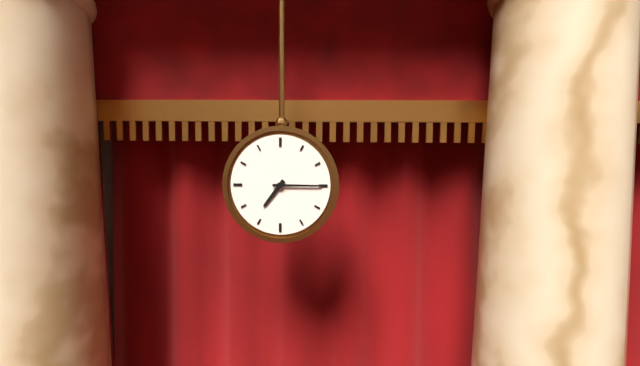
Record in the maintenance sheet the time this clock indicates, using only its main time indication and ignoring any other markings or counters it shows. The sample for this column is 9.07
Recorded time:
7.15
